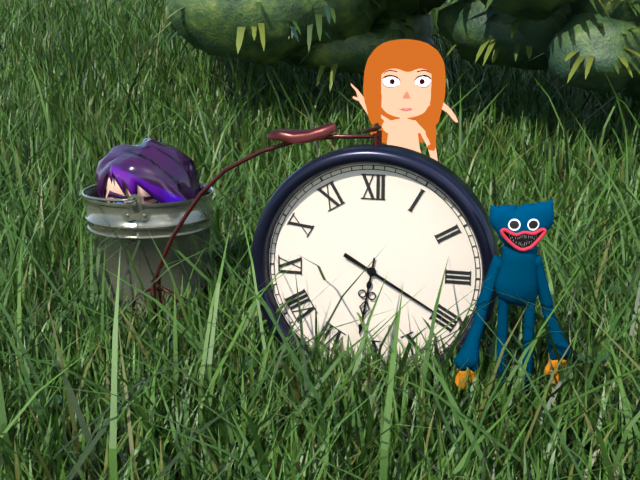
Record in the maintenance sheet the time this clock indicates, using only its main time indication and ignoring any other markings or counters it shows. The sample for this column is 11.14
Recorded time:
6.20
